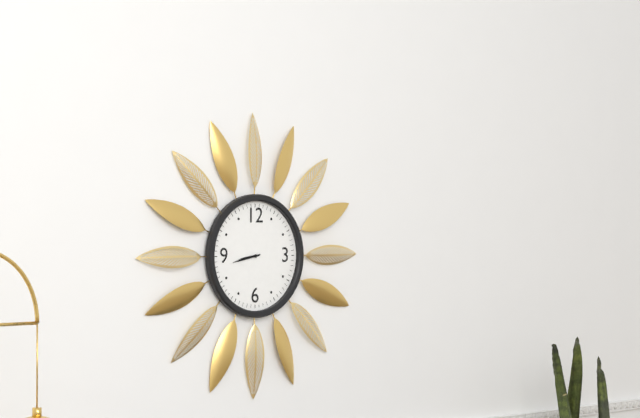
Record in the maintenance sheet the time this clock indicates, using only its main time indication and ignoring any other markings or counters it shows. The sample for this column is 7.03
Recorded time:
8.43
